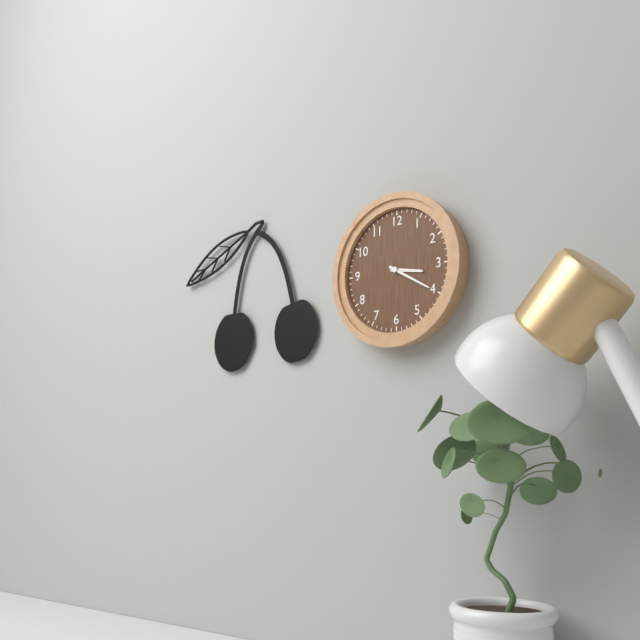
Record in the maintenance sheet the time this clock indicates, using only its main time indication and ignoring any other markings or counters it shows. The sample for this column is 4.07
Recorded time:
3.20
